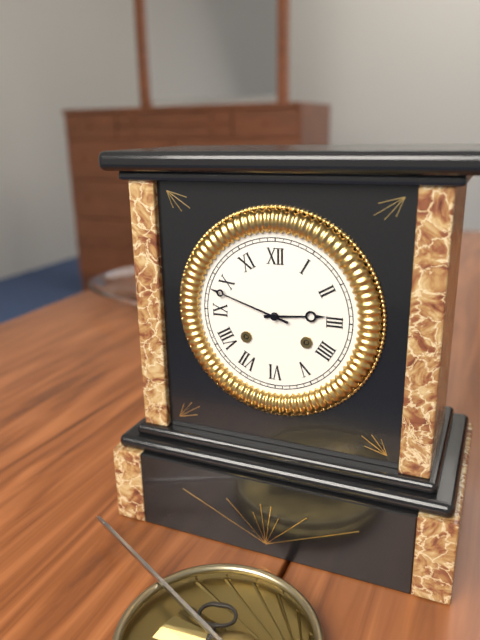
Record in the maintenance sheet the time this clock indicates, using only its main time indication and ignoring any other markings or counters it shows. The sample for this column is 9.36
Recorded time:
2.48
